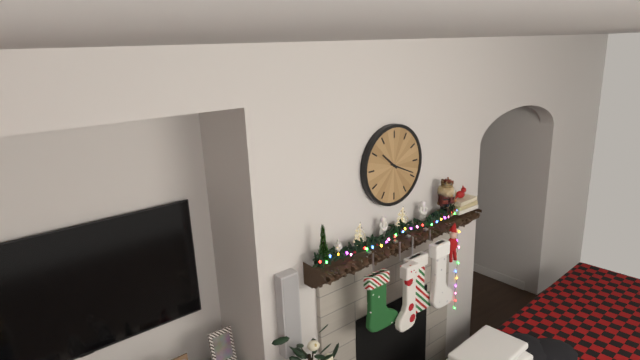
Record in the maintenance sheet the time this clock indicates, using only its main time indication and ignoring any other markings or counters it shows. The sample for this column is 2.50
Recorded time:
10.19
